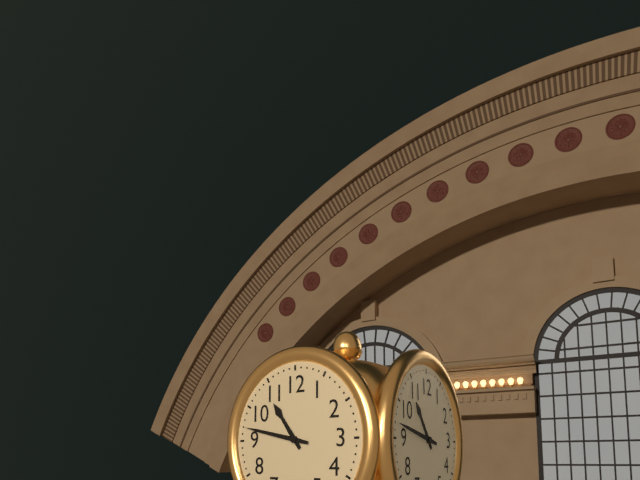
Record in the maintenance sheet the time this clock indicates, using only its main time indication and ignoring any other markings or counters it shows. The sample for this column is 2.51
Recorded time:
10.47
